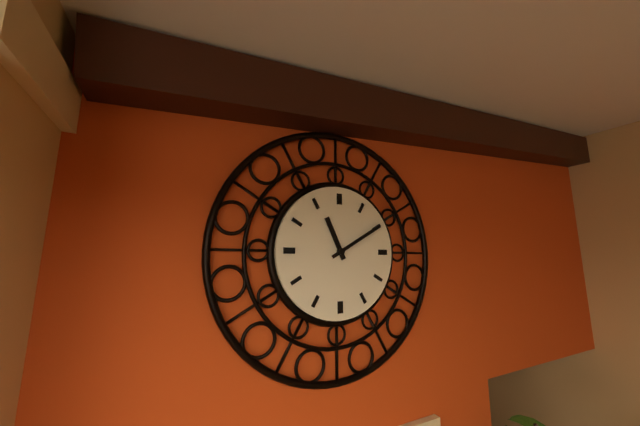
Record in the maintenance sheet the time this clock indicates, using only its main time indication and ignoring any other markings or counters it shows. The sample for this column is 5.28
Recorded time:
11.10
